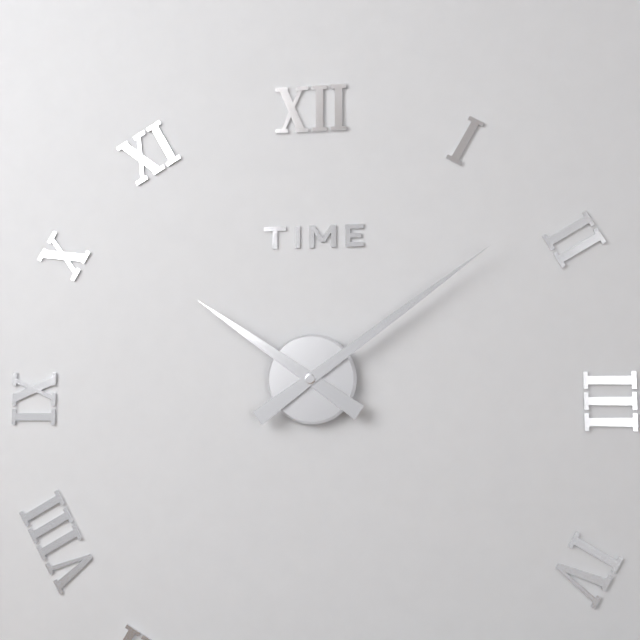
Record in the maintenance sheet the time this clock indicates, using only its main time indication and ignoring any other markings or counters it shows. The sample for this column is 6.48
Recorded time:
10.09
